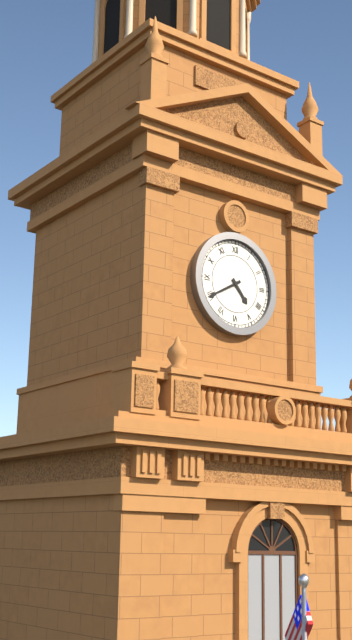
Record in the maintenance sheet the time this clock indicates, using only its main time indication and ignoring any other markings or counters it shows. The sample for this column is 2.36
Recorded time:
4.40
